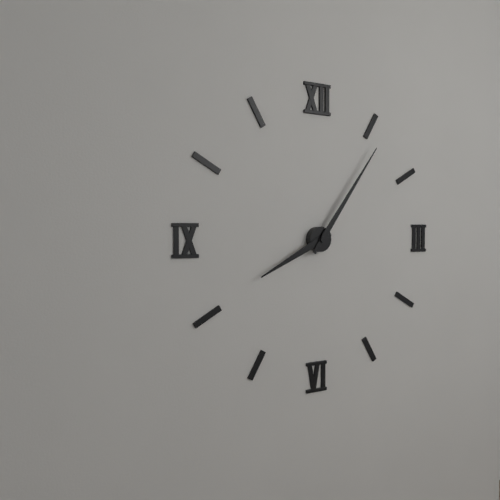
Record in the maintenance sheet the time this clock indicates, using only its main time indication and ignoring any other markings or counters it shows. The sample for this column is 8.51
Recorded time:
8.06
